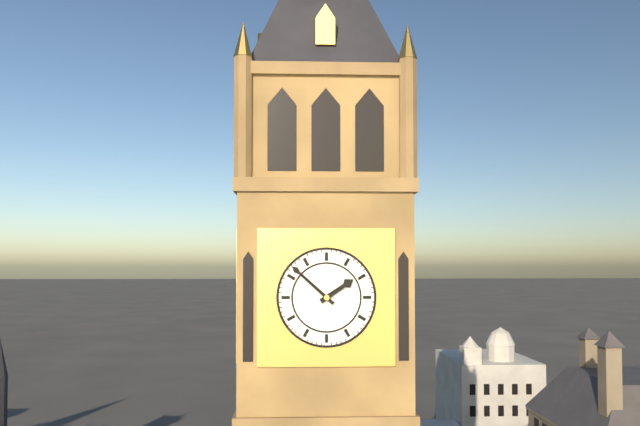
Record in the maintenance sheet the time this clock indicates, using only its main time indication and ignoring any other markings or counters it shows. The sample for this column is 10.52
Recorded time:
1.52
